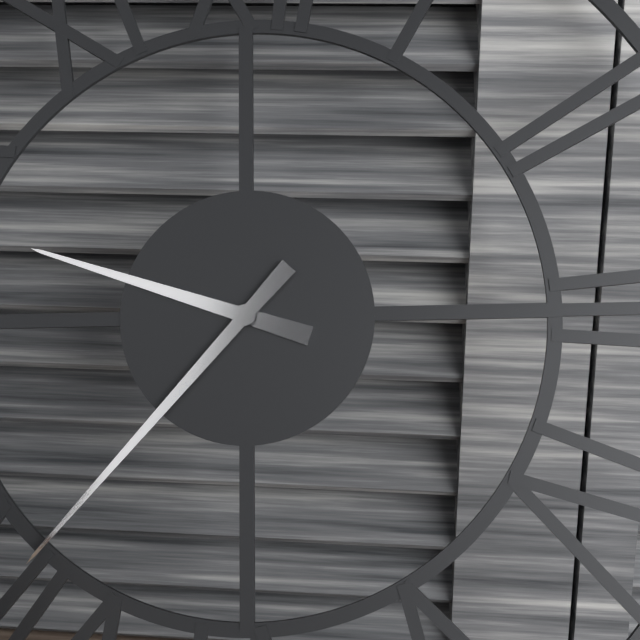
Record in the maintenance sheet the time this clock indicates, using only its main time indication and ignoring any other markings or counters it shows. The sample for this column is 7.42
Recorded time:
9.37
